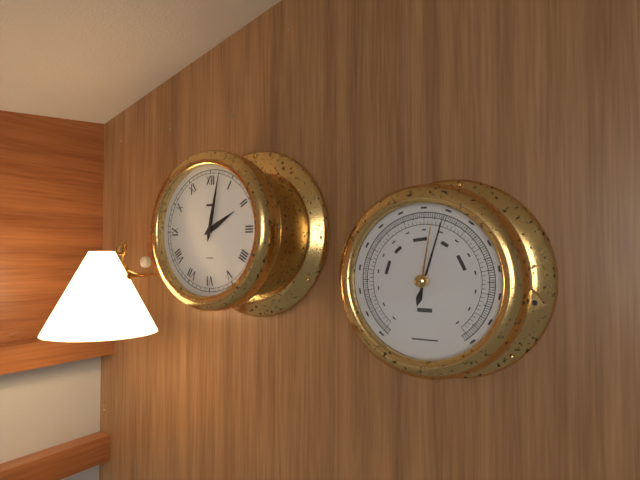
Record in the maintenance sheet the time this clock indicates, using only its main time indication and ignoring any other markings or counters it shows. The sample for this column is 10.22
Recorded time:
2.02
